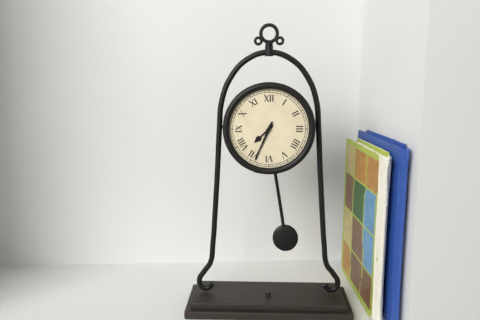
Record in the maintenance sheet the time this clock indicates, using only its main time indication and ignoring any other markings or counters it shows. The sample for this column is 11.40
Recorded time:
7.34
